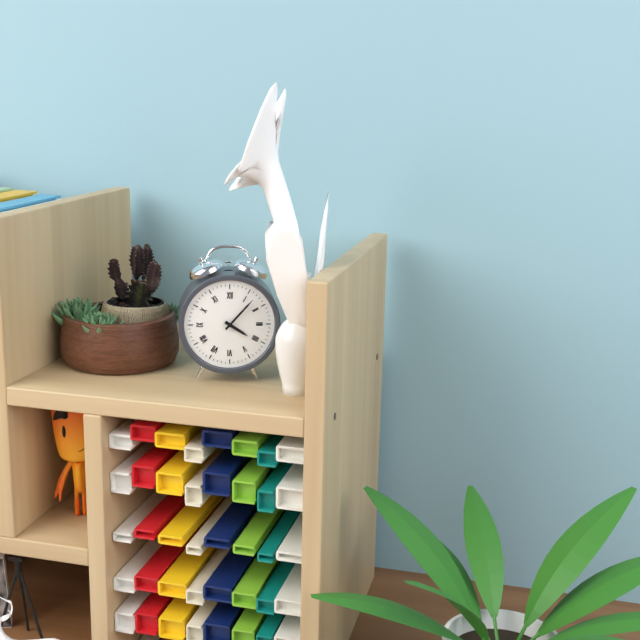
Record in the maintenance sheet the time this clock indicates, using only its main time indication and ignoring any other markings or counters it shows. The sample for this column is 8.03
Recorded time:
4.07
